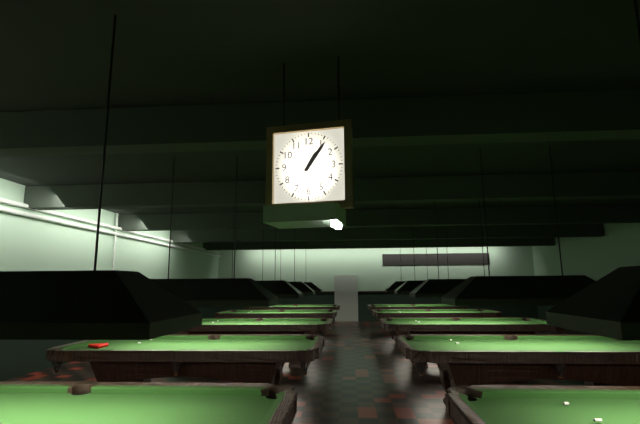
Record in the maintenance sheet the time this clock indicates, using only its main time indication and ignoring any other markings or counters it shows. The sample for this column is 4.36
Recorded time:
1.06
